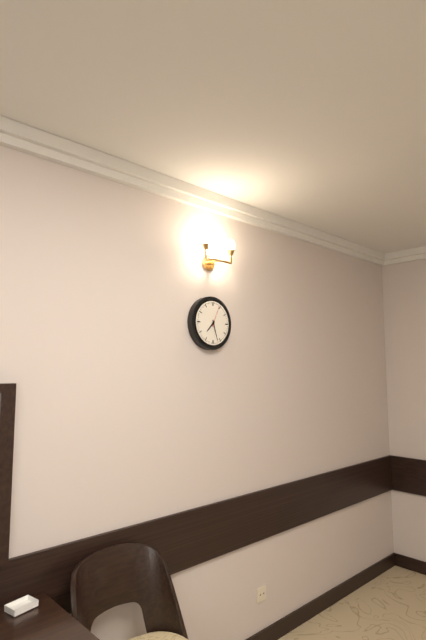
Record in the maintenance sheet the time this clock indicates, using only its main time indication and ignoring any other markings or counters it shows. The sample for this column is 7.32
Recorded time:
7.27
